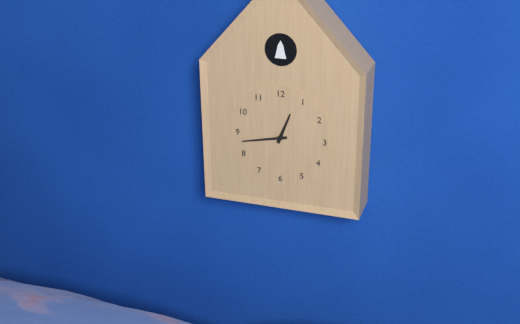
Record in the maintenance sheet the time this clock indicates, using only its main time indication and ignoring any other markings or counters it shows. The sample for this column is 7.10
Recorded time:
12.43
